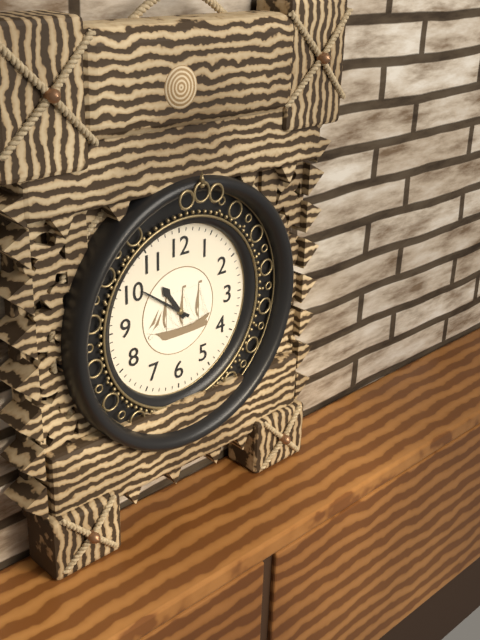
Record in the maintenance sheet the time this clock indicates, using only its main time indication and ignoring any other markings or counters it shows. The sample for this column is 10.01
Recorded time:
10.51
